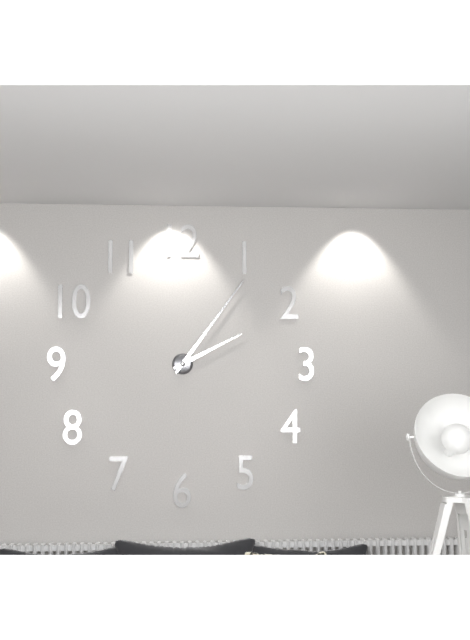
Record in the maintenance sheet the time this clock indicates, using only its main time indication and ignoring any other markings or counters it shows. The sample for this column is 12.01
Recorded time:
2.06
